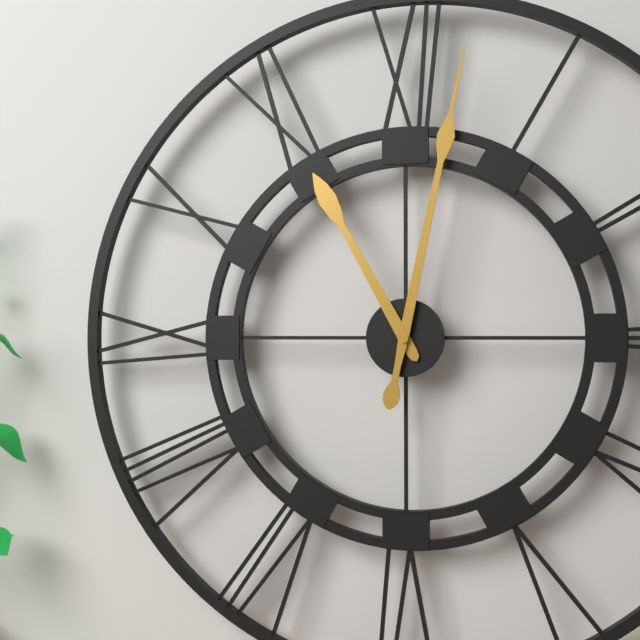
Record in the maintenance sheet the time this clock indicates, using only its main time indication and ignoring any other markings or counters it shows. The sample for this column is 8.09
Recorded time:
11.02
